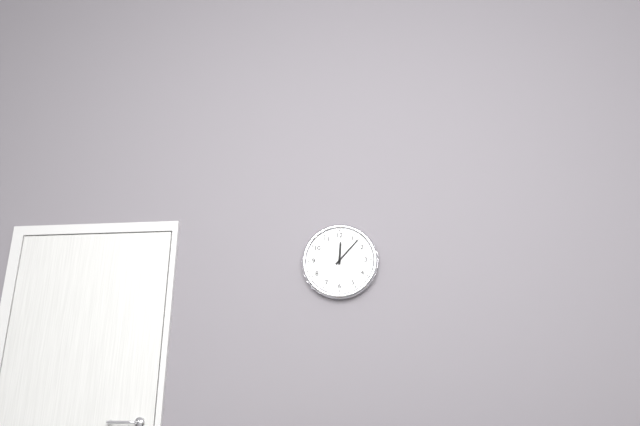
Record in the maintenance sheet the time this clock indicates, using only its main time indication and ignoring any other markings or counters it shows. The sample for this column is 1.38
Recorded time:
12.07
